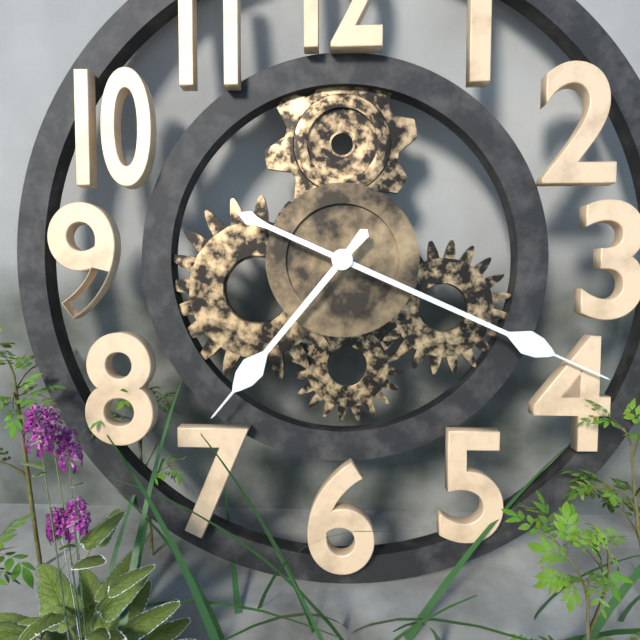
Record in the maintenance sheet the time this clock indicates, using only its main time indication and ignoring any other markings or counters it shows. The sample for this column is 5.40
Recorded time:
7.19
